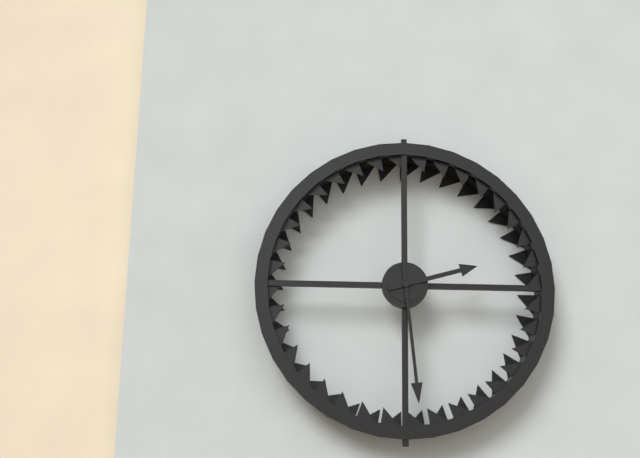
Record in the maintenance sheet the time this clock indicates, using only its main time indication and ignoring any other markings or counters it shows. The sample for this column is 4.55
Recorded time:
2.29
